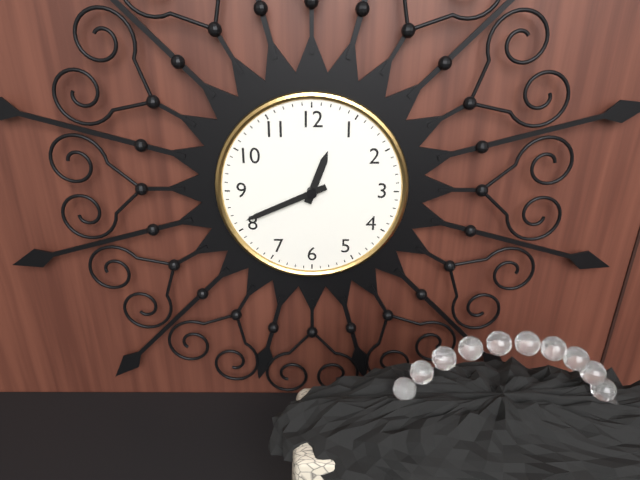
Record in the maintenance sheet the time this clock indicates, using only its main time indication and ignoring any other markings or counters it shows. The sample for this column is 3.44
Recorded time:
12.41
